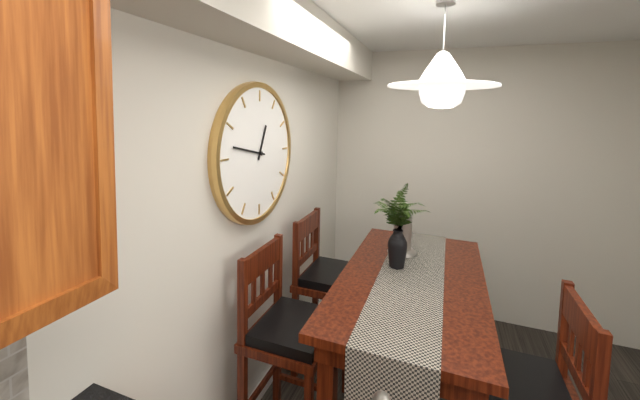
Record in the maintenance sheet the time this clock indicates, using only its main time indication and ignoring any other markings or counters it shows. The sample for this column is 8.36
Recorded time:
12.47
